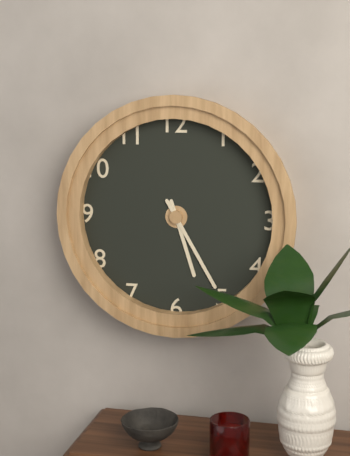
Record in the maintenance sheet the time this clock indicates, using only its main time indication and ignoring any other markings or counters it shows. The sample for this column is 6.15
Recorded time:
5.25
